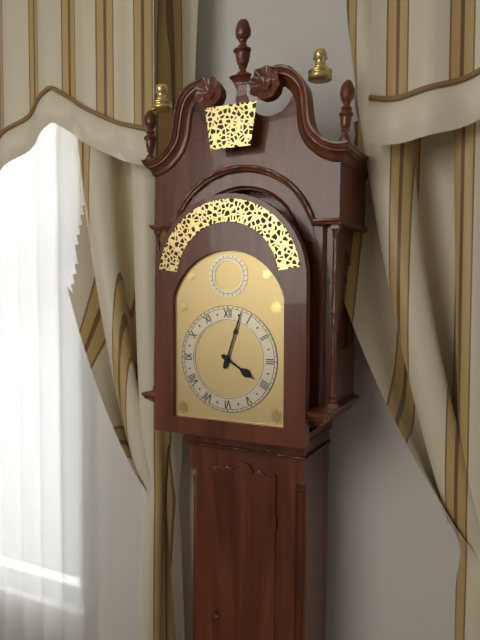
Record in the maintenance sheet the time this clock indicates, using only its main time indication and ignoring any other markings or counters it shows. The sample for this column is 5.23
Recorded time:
4.03
